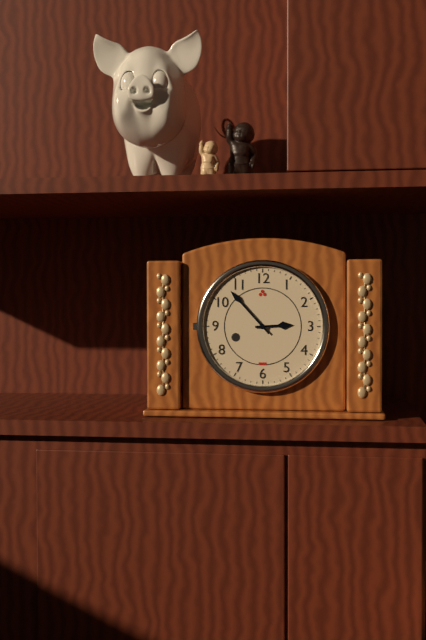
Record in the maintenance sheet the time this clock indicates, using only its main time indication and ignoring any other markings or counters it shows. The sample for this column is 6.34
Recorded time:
2.53
